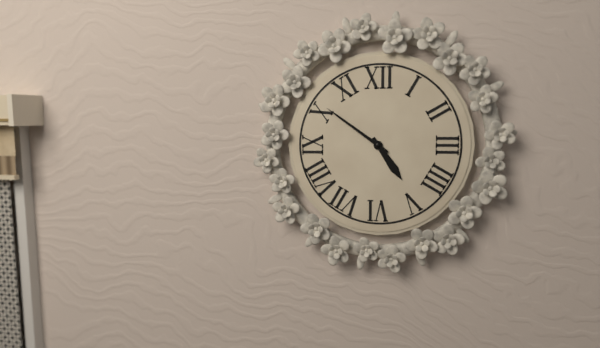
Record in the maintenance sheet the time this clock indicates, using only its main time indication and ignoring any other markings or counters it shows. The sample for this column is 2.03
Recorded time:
4.51
